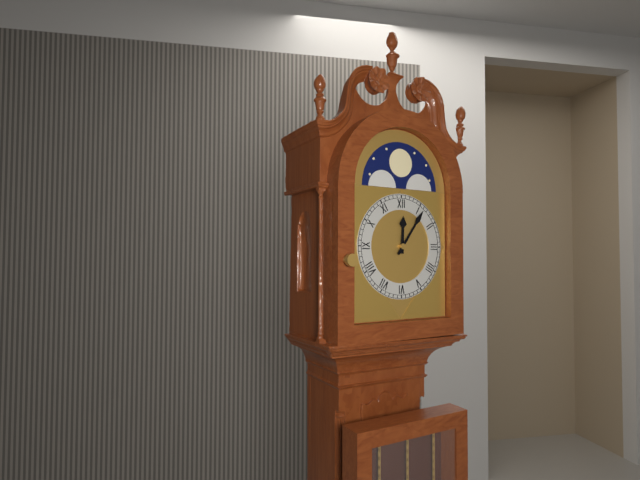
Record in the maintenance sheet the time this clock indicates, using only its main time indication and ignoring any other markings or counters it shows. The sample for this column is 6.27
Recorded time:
12.06
